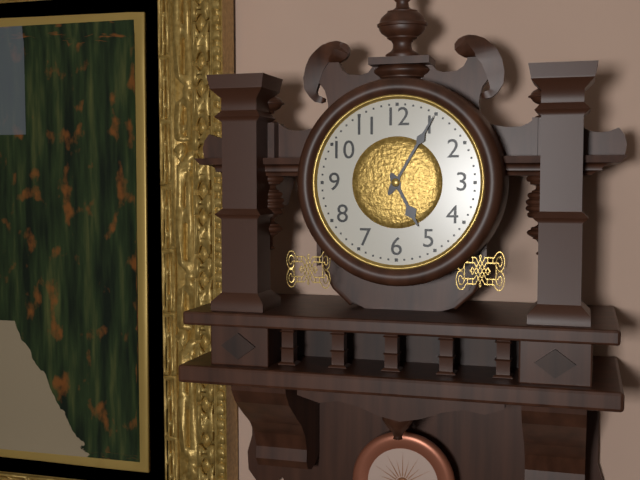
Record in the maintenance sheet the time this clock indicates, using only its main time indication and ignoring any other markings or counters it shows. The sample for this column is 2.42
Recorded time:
5.05
